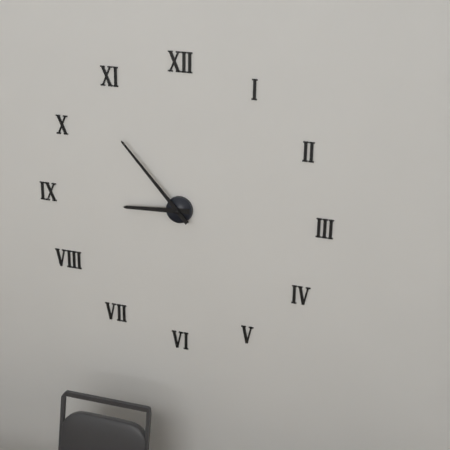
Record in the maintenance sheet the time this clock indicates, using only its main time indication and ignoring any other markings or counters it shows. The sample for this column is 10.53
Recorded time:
8.53
